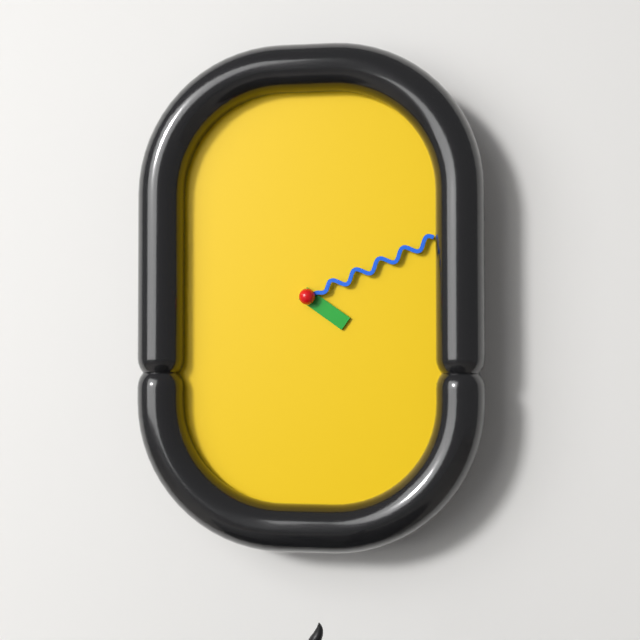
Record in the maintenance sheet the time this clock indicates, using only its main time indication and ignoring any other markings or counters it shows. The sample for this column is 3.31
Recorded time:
4.11
